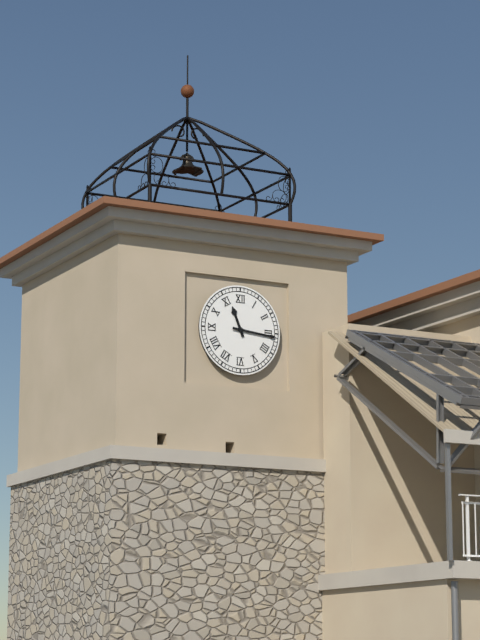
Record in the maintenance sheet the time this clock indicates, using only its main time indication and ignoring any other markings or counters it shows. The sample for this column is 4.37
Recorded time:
11.16
